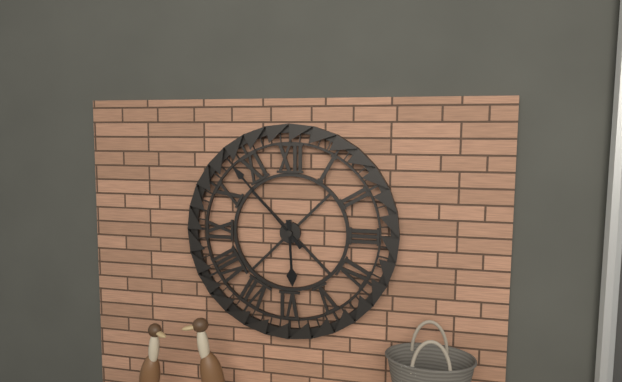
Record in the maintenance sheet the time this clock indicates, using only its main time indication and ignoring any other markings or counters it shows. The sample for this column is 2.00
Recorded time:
5.53
